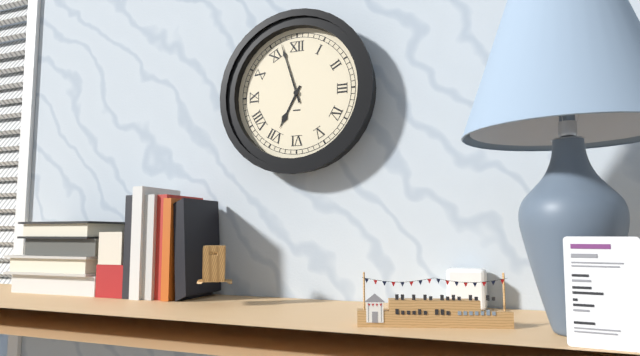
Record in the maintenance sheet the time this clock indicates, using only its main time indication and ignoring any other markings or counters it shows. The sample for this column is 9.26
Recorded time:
6.57
